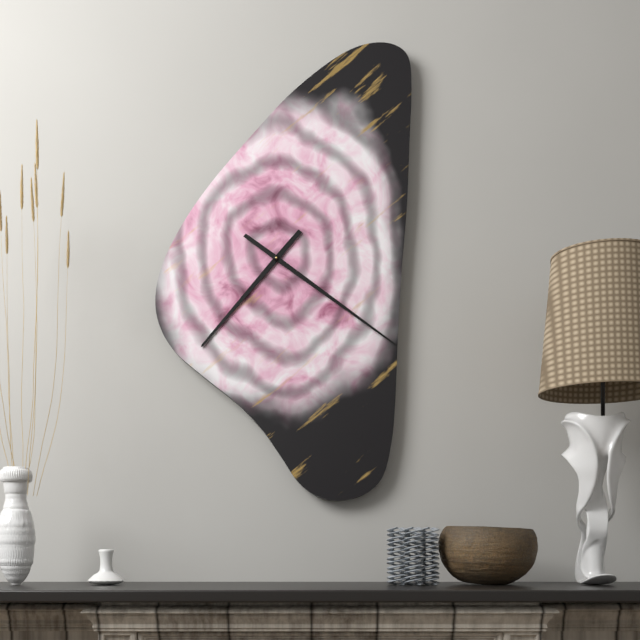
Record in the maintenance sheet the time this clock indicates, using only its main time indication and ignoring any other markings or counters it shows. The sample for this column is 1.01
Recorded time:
7.21
